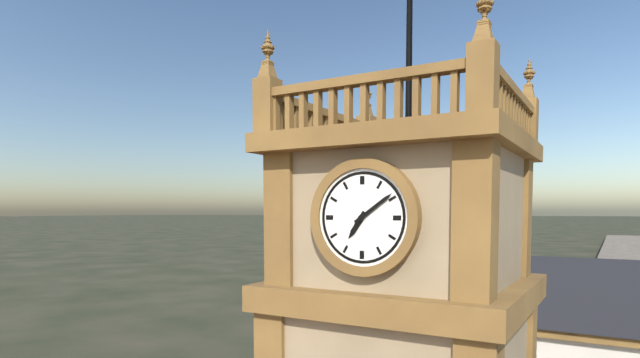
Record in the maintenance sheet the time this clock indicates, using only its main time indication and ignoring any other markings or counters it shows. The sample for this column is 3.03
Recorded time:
7.09
